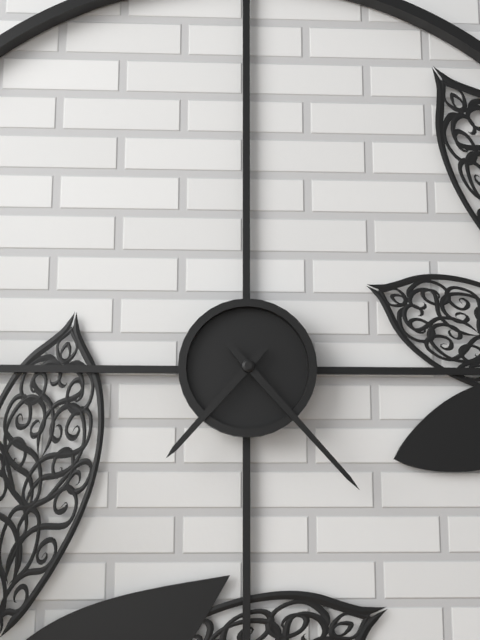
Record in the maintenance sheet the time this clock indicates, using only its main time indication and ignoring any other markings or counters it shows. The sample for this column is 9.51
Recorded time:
7.23
